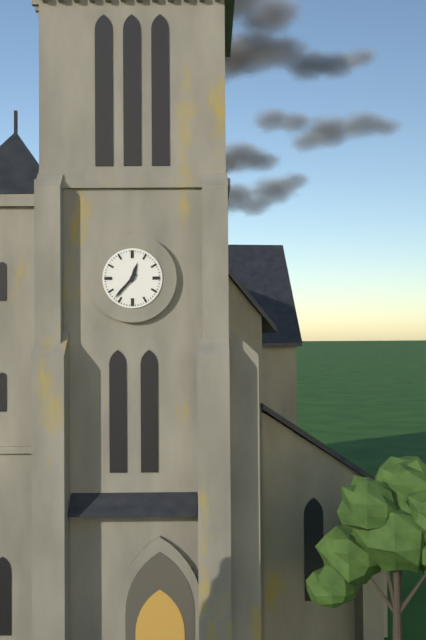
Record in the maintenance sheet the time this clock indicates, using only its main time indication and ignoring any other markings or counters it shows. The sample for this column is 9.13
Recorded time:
12.37
